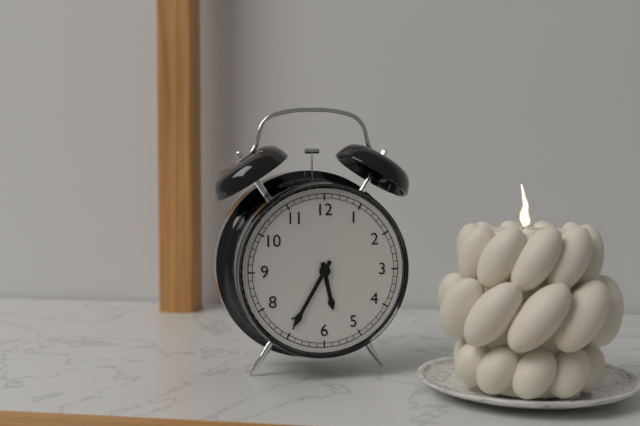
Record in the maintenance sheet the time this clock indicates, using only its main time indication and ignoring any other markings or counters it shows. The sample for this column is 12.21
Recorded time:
5.35
